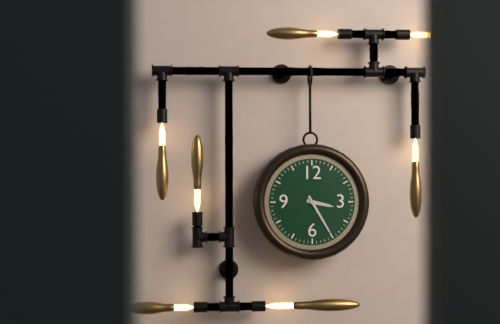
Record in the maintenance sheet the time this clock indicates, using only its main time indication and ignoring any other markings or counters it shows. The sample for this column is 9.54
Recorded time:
3.25
